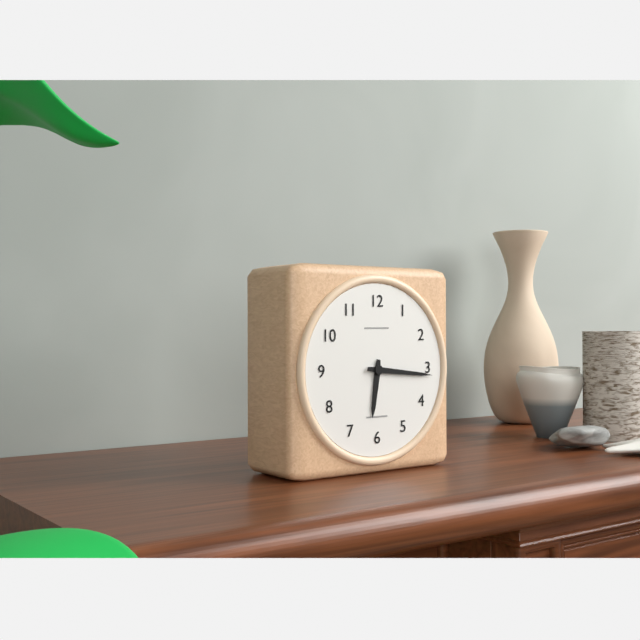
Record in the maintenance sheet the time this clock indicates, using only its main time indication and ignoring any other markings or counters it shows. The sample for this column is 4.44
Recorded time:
6.16
